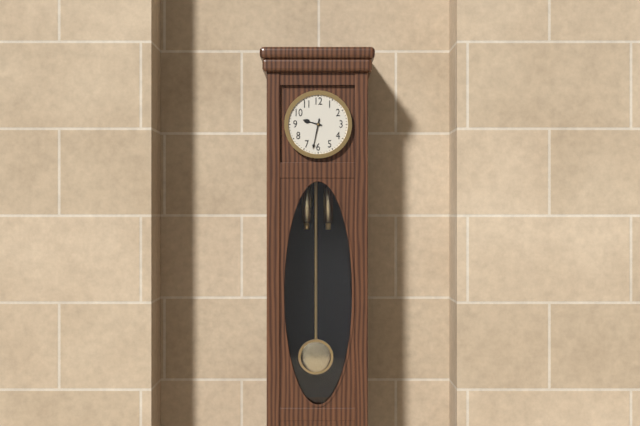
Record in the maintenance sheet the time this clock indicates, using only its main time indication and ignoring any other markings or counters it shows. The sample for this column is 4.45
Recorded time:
9.32
